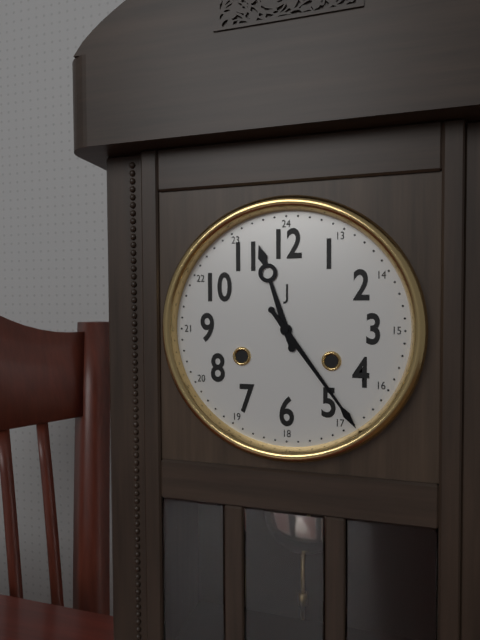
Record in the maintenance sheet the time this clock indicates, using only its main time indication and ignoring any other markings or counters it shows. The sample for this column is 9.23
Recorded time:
11.24
